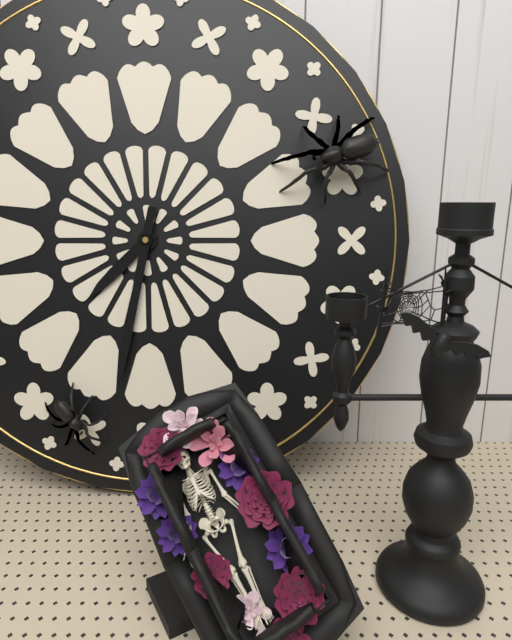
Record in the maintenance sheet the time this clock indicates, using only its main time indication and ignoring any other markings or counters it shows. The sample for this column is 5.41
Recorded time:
7.32
